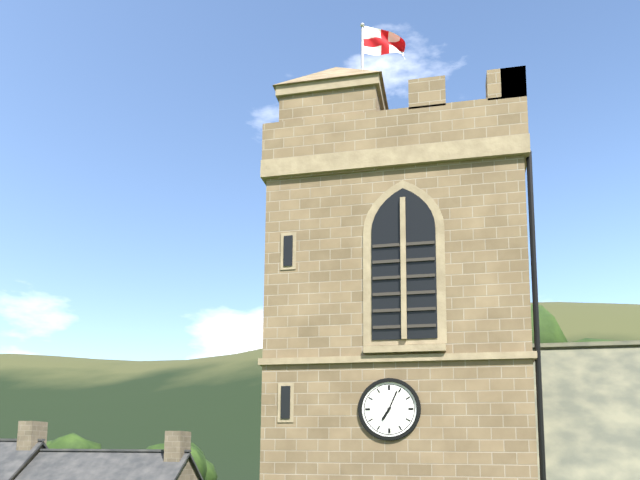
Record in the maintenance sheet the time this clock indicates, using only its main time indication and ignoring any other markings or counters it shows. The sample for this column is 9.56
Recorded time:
7.04
